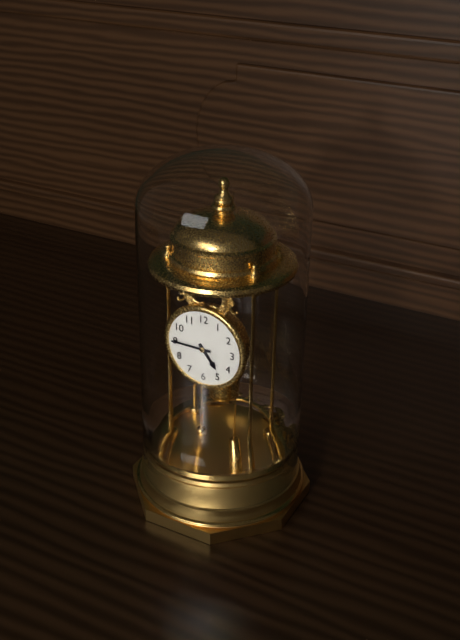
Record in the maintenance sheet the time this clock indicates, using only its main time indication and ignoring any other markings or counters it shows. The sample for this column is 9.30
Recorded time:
4.45
